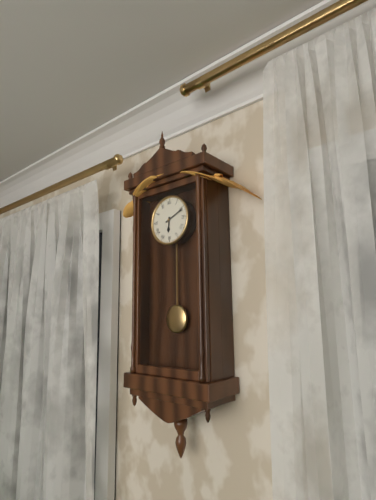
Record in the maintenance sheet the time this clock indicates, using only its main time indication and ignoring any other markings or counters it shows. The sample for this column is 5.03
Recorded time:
6.11
